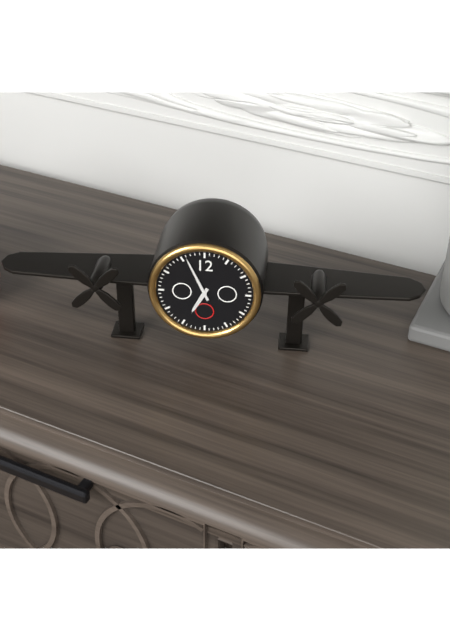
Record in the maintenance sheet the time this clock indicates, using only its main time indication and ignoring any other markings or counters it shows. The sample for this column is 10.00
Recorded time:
6.56
